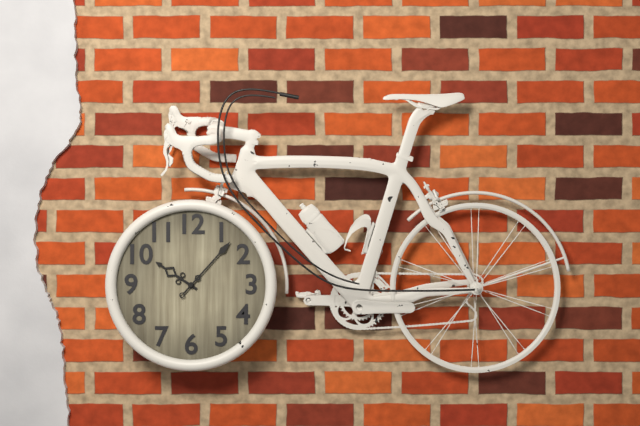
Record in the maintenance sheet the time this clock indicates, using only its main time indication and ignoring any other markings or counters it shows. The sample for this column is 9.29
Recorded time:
10.07
